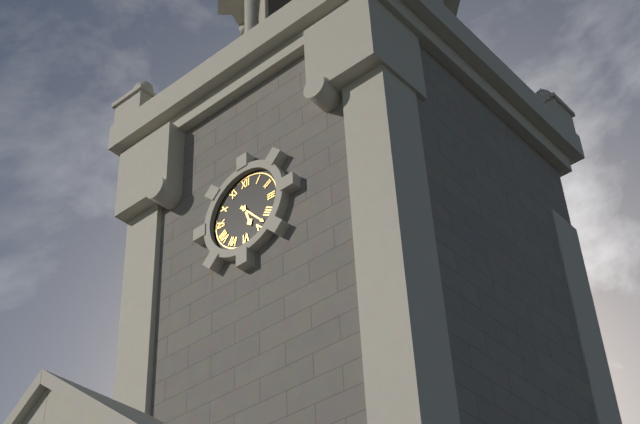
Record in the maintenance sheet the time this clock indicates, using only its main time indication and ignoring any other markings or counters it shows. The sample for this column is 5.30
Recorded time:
5.23
